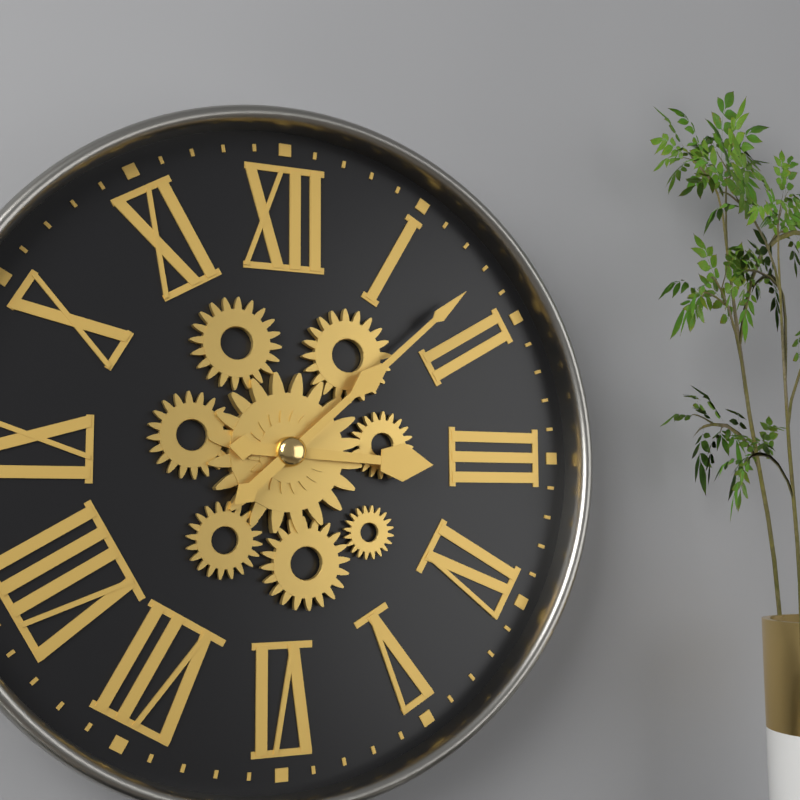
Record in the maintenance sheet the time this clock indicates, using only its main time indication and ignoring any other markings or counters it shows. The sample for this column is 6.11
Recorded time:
3.08
